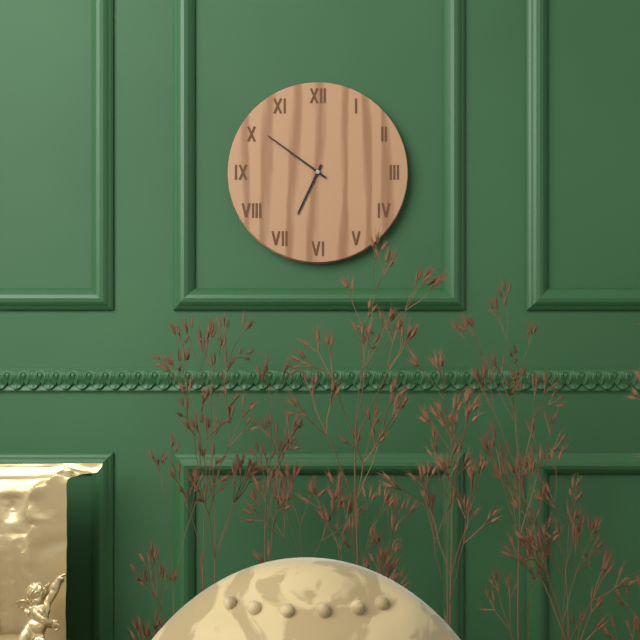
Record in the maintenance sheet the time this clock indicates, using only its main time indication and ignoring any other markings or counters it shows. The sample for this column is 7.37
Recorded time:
6.51
